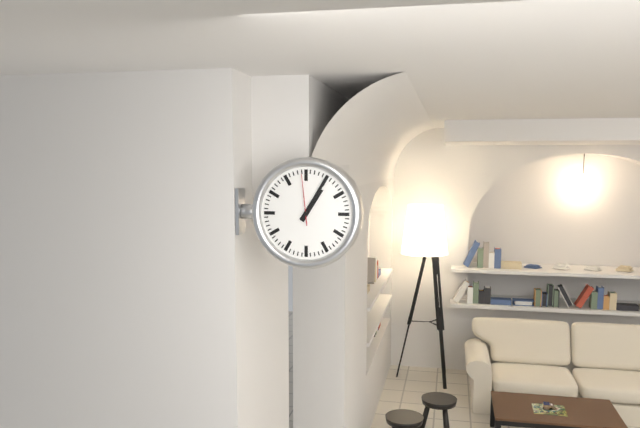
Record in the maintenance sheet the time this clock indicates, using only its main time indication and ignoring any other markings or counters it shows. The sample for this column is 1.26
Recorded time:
1.05
